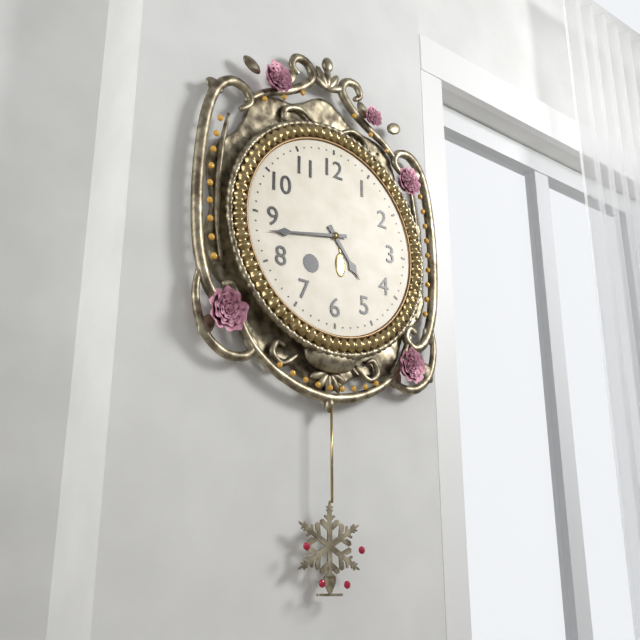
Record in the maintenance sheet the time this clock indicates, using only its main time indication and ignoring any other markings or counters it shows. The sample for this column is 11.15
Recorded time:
4.43
